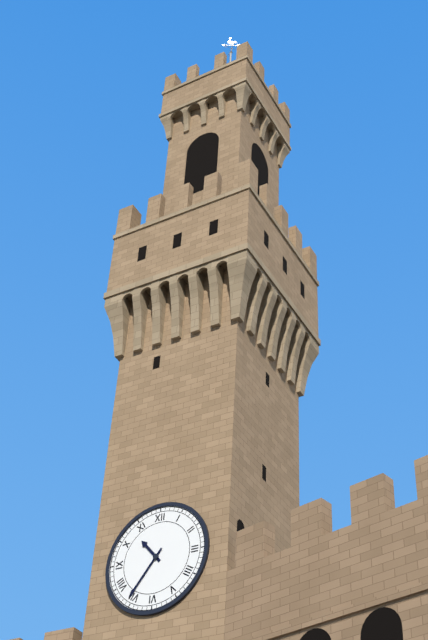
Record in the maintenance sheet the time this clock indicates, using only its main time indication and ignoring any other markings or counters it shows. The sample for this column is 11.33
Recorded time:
10.36
